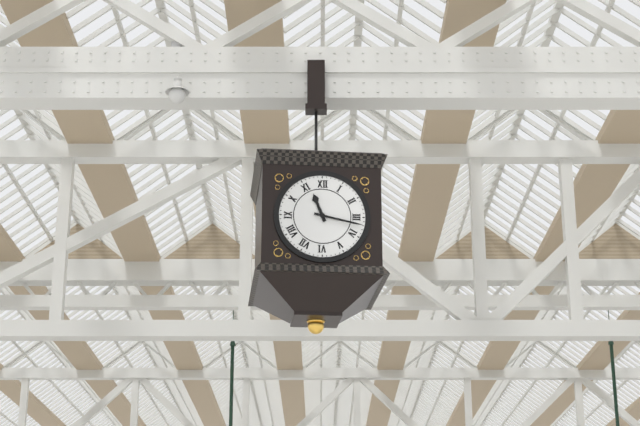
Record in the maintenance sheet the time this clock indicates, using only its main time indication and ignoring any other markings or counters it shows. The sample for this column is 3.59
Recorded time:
11.17
